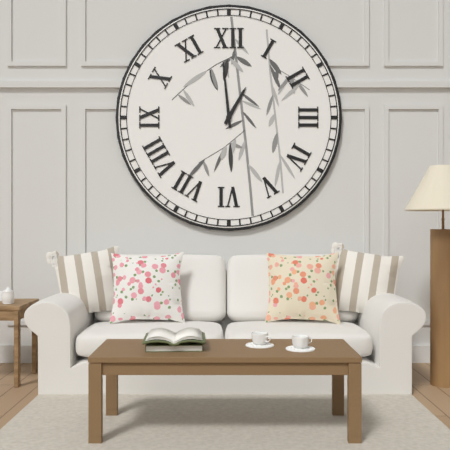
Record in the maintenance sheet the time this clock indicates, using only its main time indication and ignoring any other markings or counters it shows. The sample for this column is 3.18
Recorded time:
12.59
